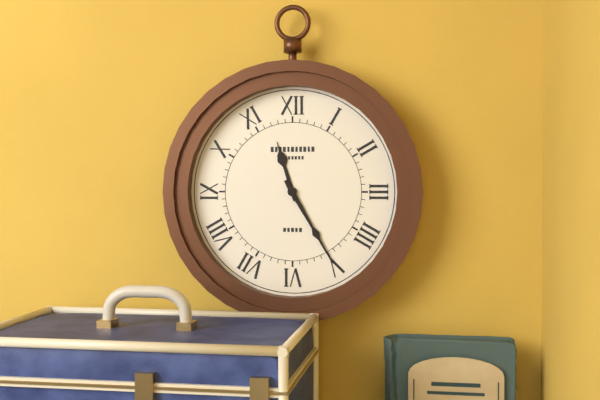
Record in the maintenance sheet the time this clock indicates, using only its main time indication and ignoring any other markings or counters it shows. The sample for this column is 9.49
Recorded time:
11.25
